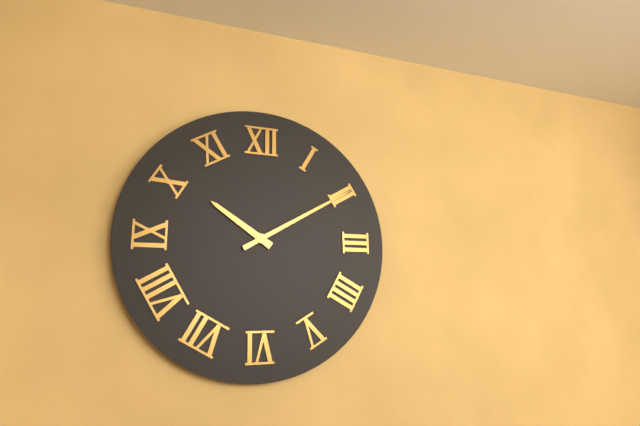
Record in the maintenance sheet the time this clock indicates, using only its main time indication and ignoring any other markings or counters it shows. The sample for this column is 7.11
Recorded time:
10.10
